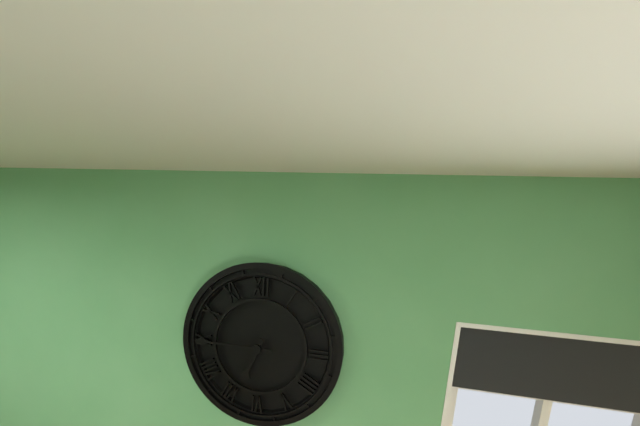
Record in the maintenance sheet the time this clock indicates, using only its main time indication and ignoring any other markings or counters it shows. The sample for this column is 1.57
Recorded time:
6.45
